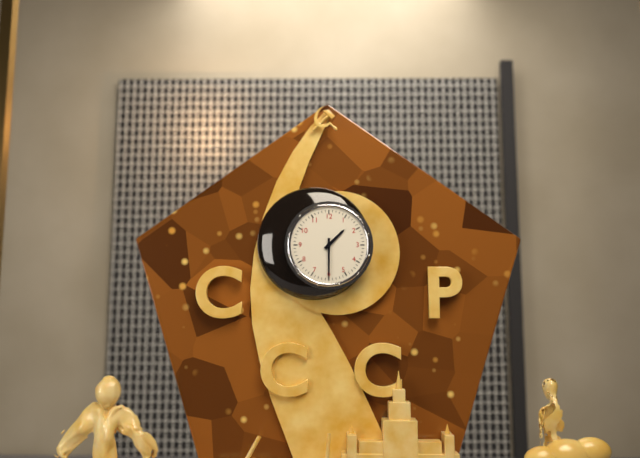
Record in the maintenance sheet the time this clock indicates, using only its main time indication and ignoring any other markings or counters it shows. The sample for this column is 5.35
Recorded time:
1.30
